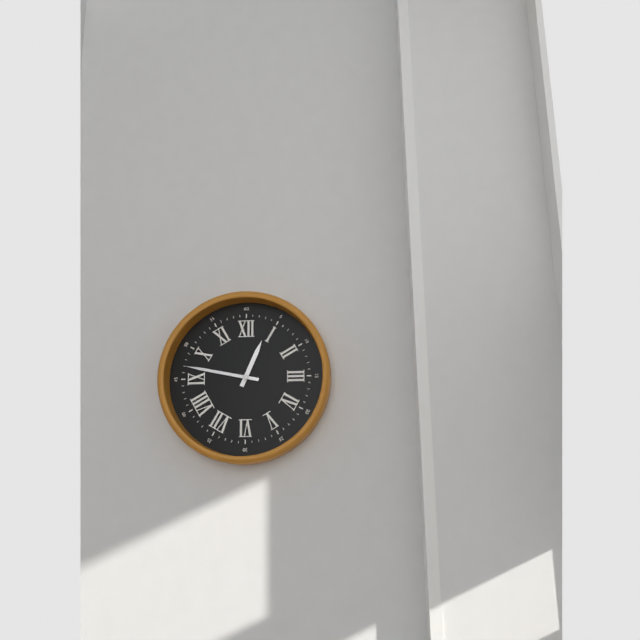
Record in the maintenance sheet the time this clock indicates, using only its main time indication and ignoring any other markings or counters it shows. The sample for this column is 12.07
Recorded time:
12.47
